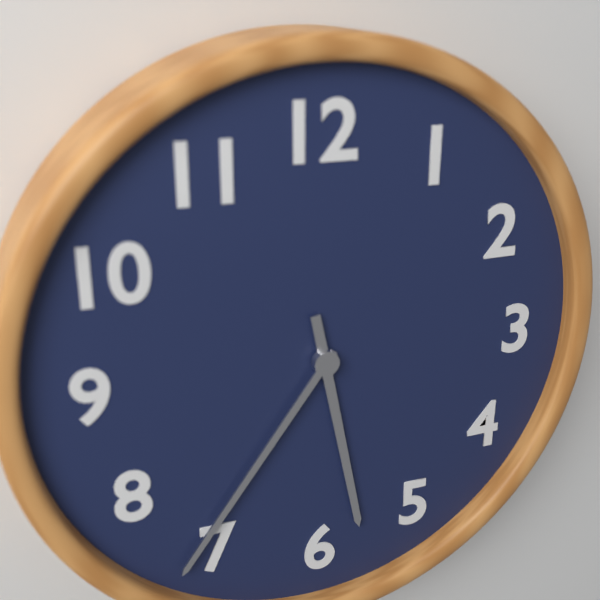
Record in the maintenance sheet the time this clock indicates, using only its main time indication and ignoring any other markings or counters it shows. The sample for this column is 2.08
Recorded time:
5.36
